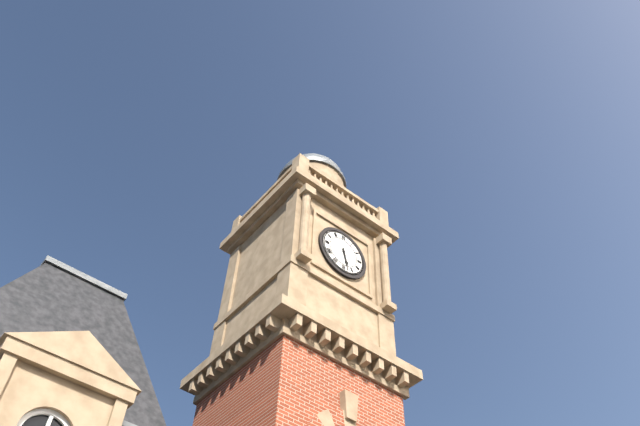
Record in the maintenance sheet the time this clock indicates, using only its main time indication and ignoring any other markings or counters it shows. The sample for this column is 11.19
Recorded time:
5.28
